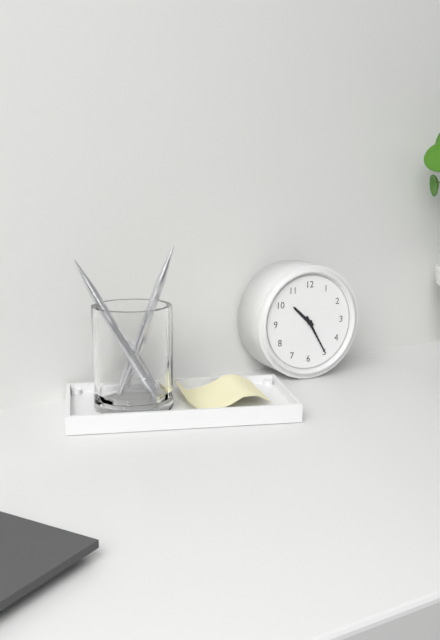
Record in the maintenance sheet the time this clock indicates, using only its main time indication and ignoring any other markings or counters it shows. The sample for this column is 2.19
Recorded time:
10.25
